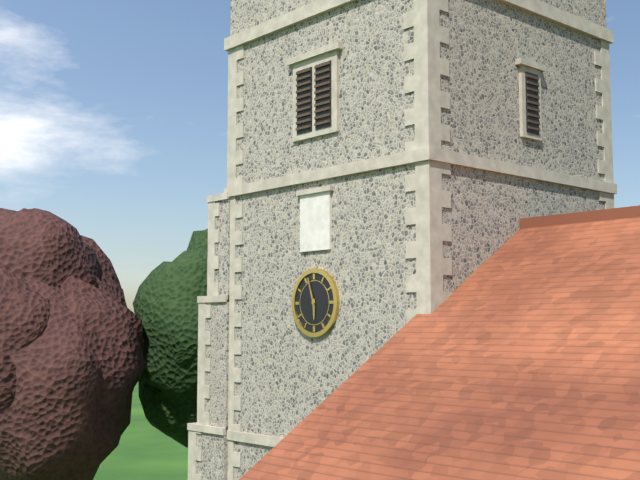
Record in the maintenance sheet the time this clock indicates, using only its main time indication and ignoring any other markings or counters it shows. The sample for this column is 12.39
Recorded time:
5.57
